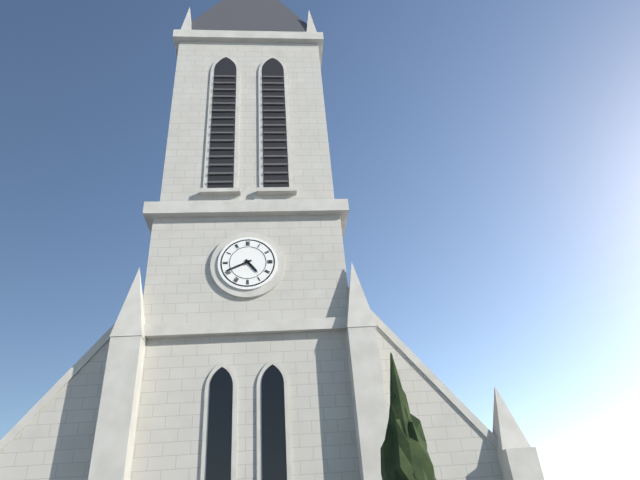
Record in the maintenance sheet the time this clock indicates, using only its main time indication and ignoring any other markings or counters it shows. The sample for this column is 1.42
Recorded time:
4.41
